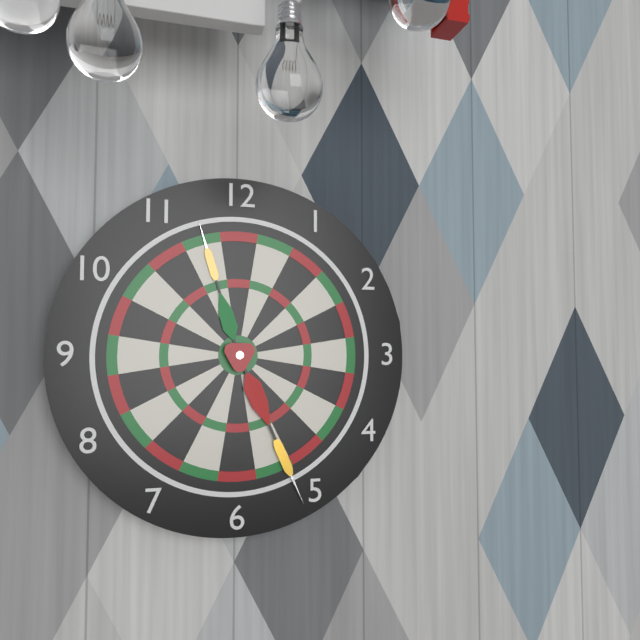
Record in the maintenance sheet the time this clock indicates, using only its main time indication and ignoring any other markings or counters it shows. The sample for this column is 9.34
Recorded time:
11.26
